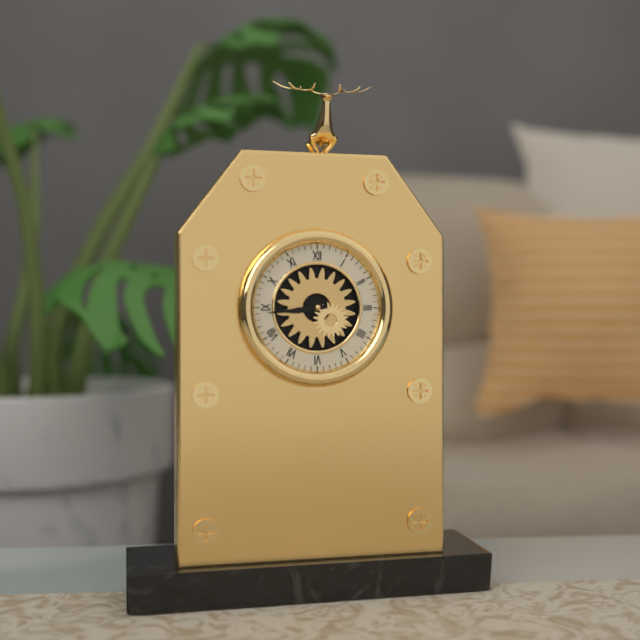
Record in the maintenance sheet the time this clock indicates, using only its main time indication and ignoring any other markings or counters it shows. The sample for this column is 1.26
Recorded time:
8.44
